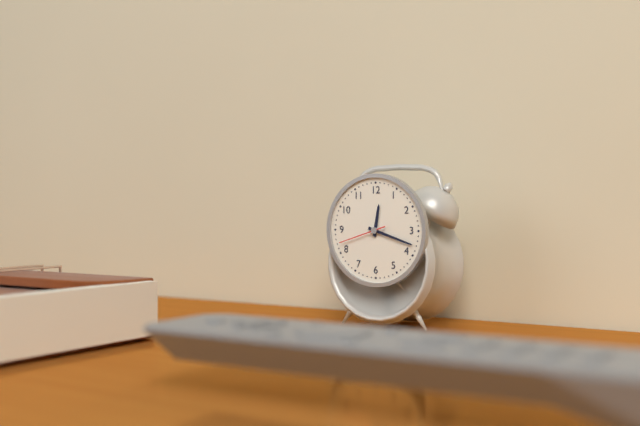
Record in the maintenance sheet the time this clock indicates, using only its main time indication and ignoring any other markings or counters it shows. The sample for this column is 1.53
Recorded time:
12.18
